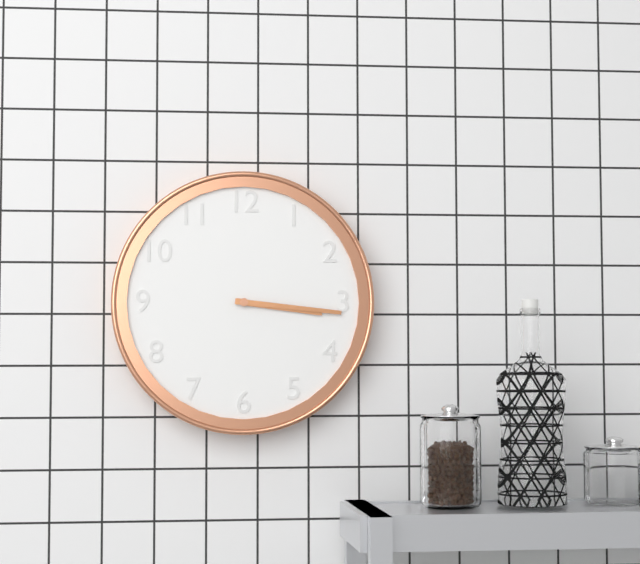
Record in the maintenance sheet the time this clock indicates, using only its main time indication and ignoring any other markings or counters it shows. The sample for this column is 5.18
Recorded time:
3.16
